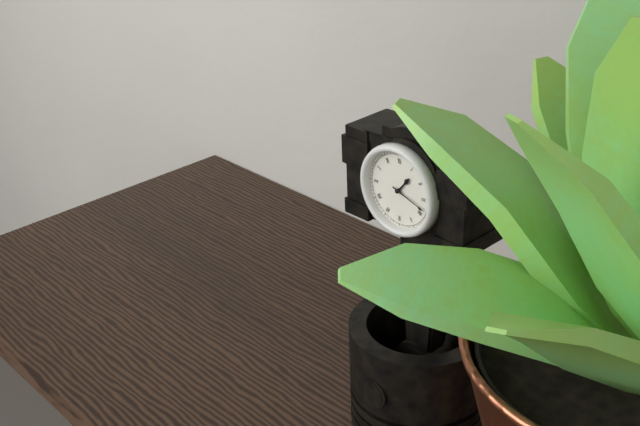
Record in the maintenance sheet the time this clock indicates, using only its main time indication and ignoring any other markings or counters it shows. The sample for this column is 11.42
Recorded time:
1.18
